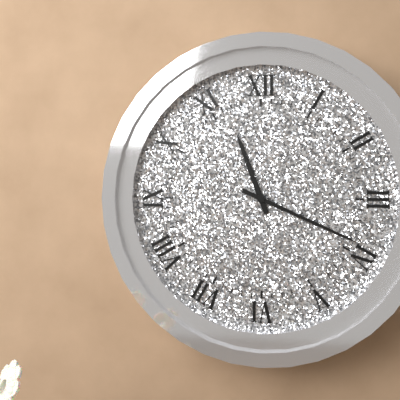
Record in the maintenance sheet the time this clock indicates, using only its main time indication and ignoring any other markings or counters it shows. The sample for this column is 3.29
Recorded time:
11.19
